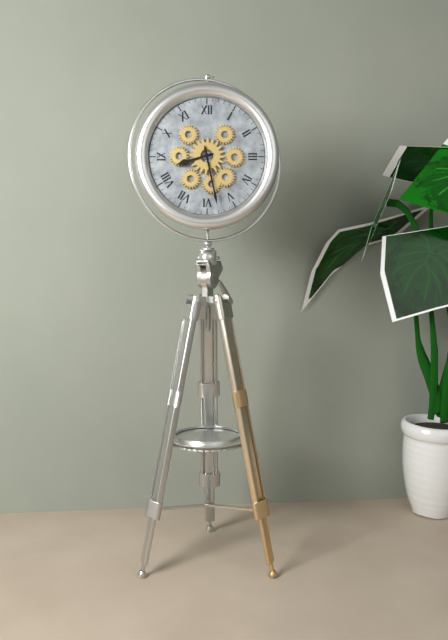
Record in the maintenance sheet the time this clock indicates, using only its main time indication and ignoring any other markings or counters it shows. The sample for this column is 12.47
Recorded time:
8.28
